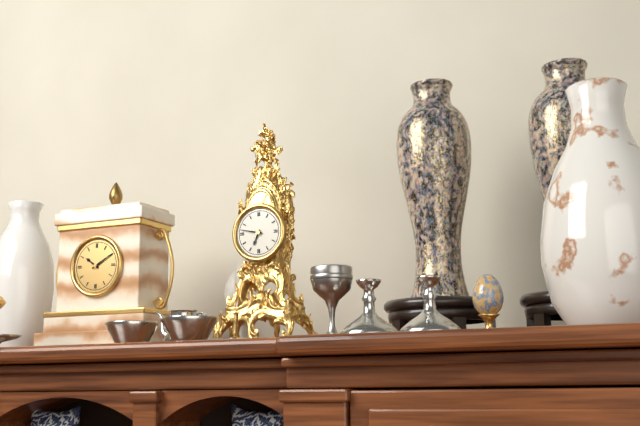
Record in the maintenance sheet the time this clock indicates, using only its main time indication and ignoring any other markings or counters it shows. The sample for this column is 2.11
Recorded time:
6.47
